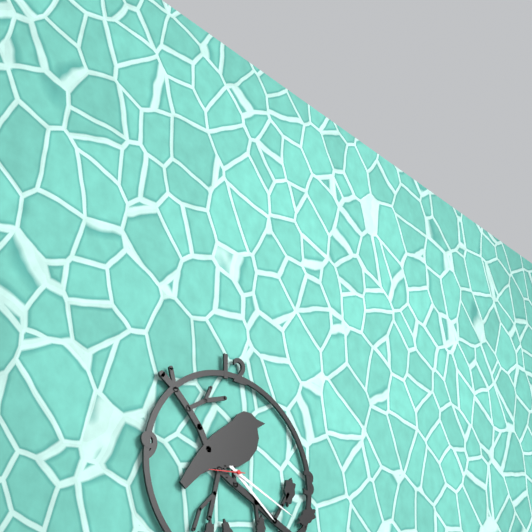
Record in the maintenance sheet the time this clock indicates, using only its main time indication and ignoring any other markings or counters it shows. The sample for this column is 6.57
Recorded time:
4.19
